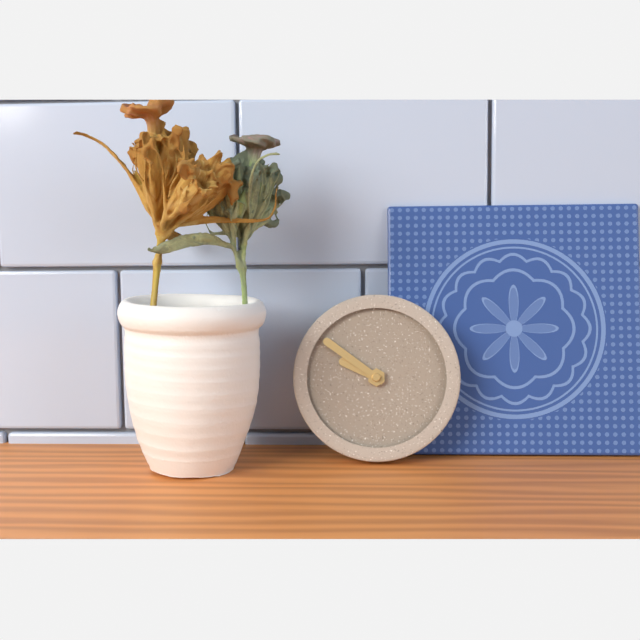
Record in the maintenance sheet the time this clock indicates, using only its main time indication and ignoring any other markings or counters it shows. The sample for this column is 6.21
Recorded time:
9.51
